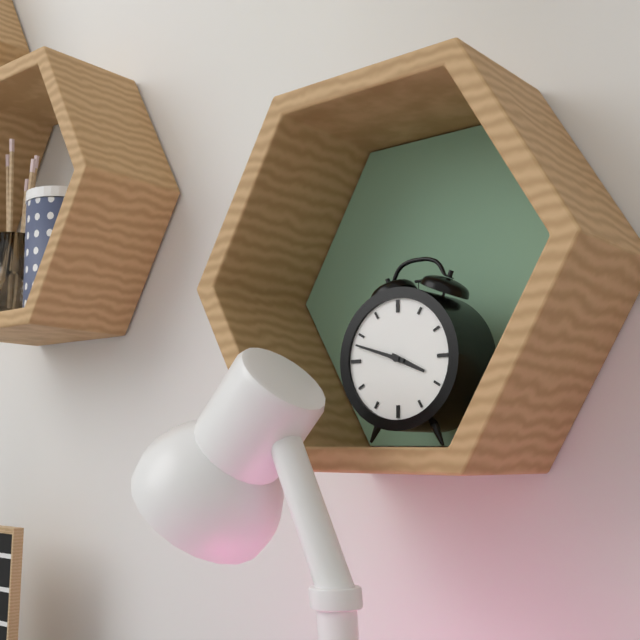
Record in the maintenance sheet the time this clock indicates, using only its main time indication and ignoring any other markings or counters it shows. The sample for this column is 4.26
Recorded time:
3.48
